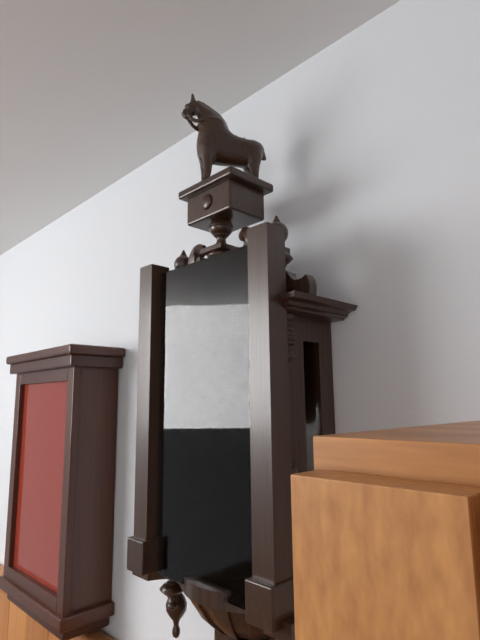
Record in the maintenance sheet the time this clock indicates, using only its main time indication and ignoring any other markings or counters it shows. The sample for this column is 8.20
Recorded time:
7.33
